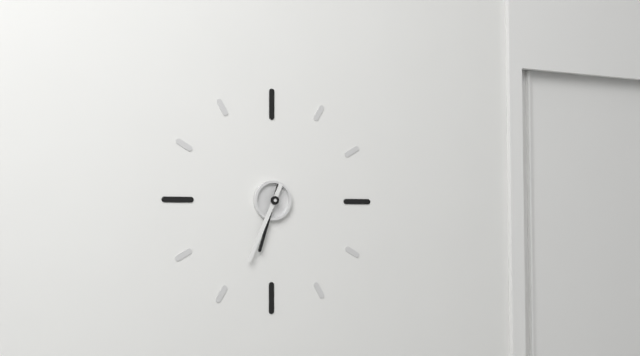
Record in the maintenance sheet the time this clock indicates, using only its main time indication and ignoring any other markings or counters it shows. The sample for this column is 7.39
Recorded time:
6.34
